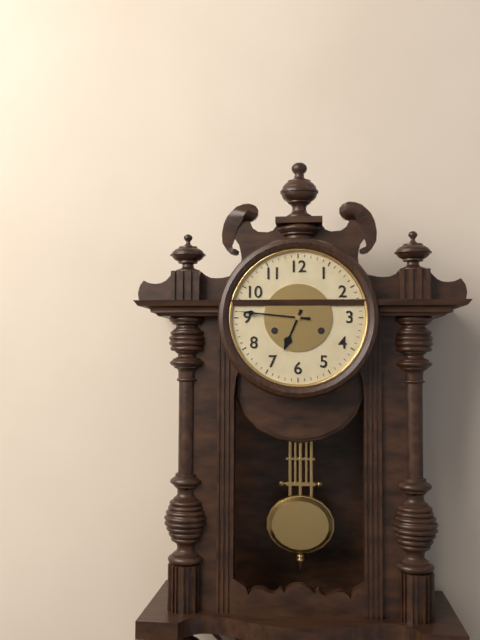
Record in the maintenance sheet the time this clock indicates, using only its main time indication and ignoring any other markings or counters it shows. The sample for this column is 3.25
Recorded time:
6.46
